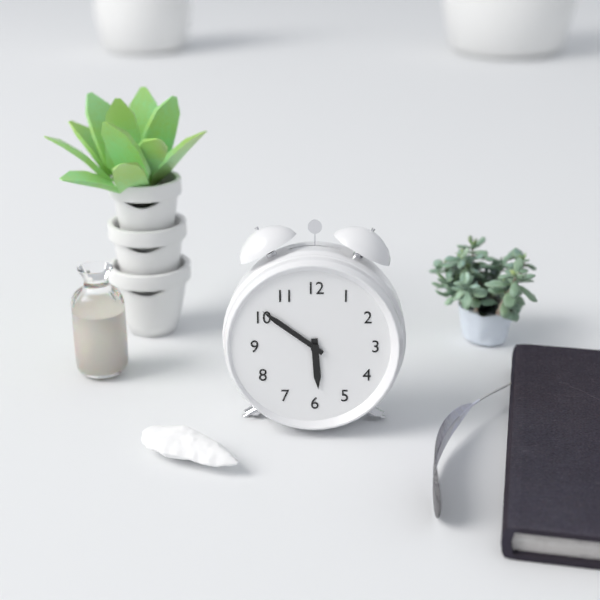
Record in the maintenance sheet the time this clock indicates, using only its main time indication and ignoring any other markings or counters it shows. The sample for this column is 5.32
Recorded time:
5.51
